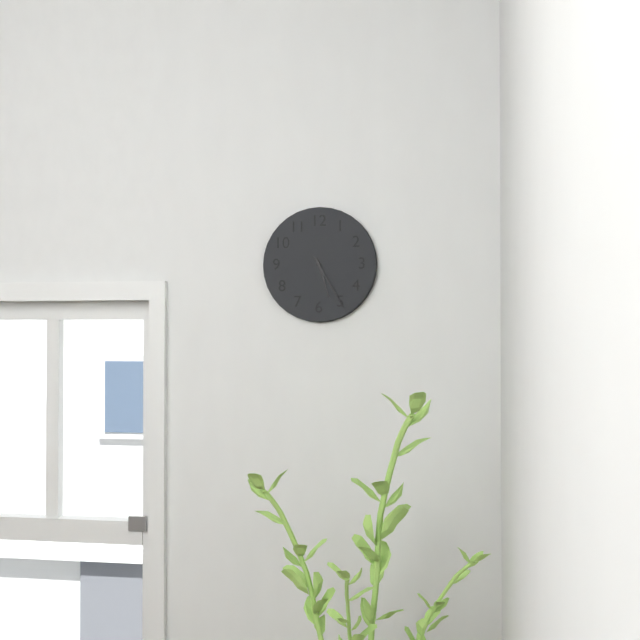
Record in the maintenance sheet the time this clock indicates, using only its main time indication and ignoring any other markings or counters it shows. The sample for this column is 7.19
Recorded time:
5.25
